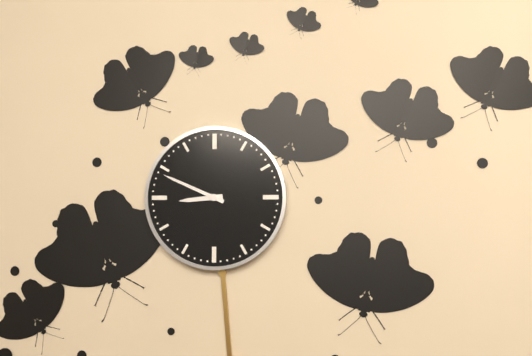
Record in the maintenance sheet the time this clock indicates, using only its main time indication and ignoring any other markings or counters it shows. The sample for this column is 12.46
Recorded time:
8.49
